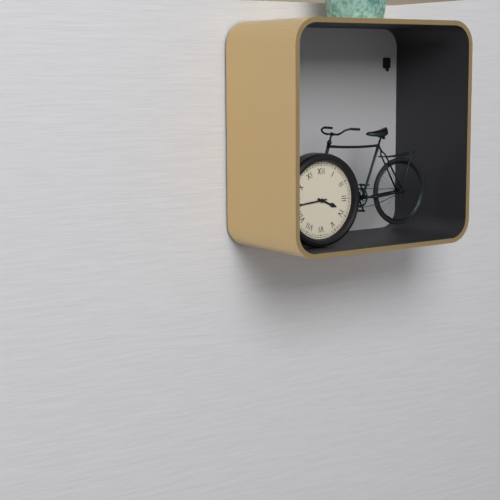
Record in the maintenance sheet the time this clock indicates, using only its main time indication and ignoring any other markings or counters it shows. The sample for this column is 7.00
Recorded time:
3.44
